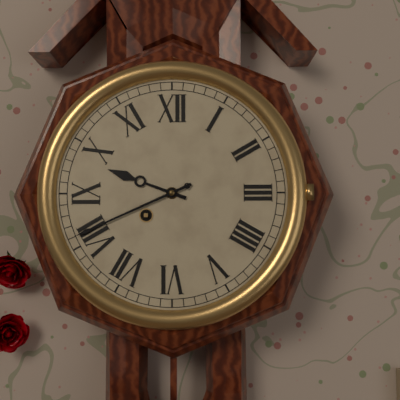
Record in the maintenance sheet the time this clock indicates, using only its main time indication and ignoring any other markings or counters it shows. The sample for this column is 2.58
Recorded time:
9.41
